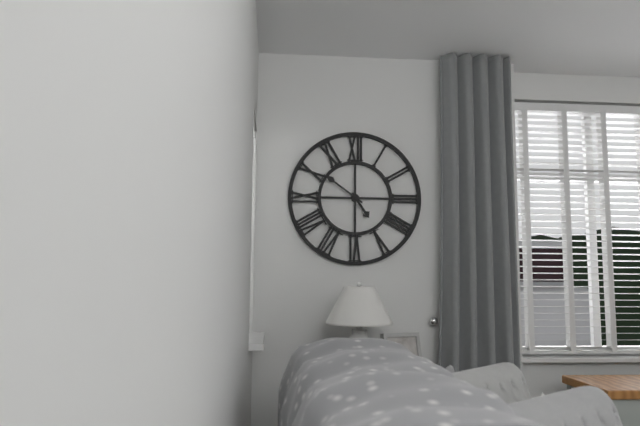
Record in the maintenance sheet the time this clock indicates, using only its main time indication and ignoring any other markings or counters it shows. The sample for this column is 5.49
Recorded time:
4.51
